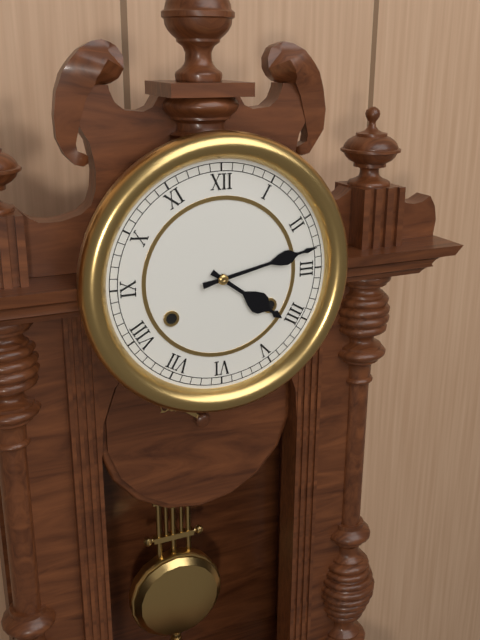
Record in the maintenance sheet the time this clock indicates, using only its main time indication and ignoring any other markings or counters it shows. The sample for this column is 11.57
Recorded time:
4.13
